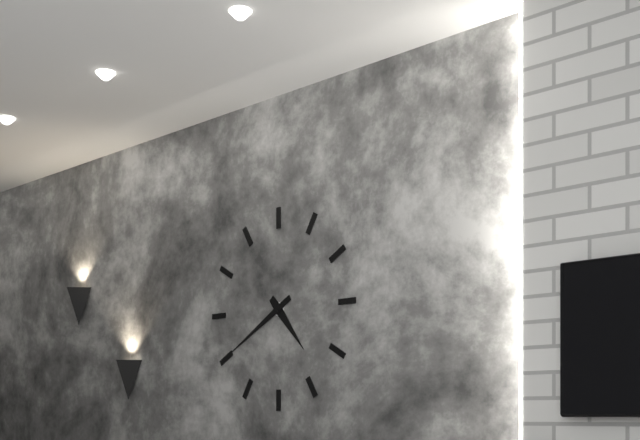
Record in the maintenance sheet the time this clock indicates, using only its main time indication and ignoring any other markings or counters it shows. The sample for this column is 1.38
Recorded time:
4.40
